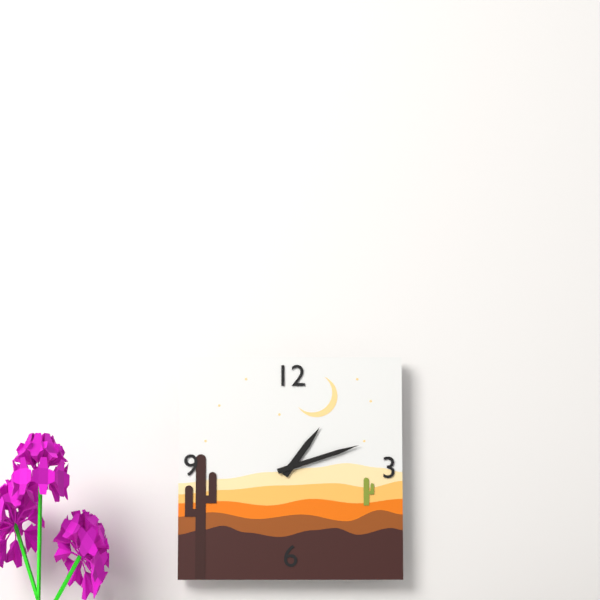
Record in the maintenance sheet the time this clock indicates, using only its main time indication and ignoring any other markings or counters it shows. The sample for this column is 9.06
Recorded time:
1.12
